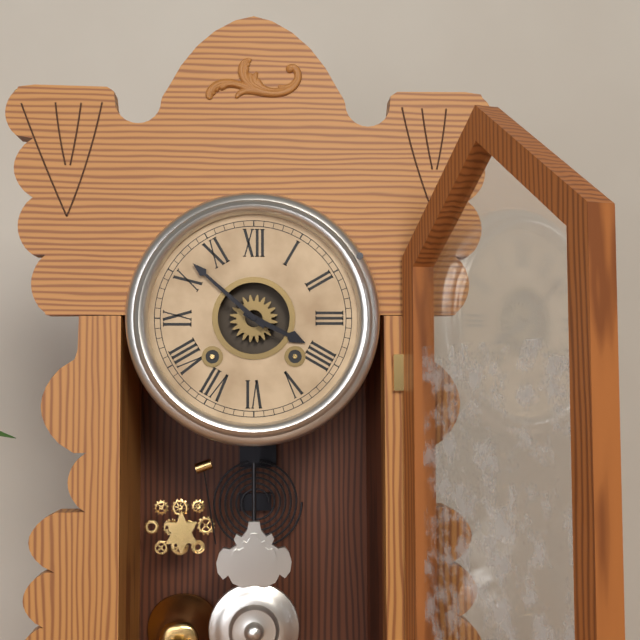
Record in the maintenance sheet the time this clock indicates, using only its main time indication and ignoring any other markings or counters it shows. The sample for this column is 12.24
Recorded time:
3.52
